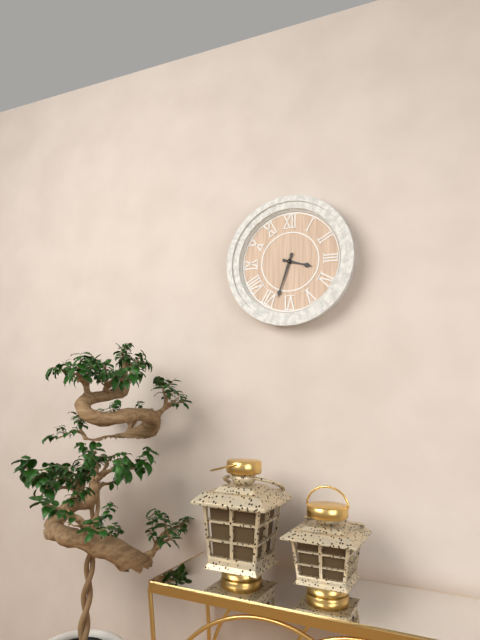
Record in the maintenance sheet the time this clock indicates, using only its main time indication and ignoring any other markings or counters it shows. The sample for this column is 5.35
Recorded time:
3.33
